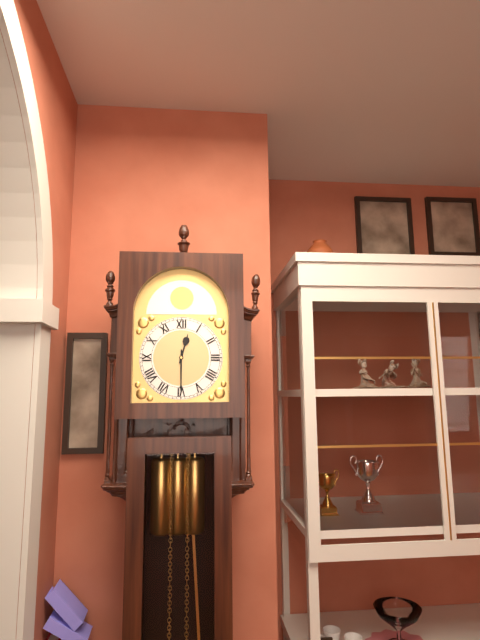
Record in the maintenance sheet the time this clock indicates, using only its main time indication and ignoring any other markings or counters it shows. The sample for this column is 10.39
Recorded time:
12.30
